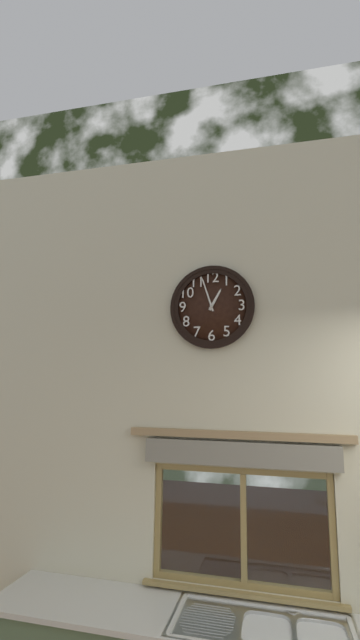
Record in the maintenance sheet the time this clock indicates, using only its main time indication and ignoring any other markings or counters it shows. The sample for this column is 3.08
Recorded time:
12.57
